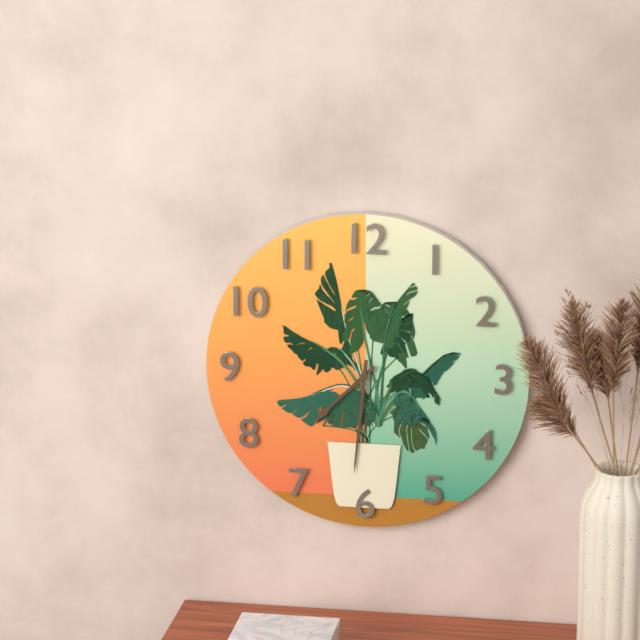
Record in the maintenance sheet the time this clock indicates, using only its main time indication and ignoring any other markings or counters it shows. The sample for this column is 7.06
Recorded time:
7.31
